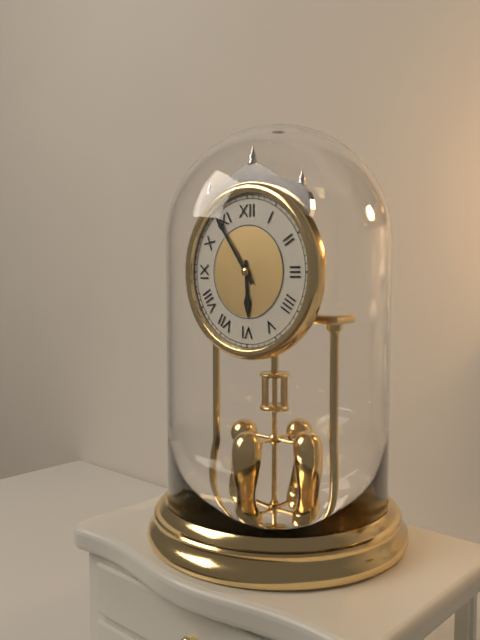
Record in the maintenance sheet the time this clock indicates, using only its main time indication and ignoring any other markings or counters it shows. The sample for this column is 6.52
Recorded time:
5.54
